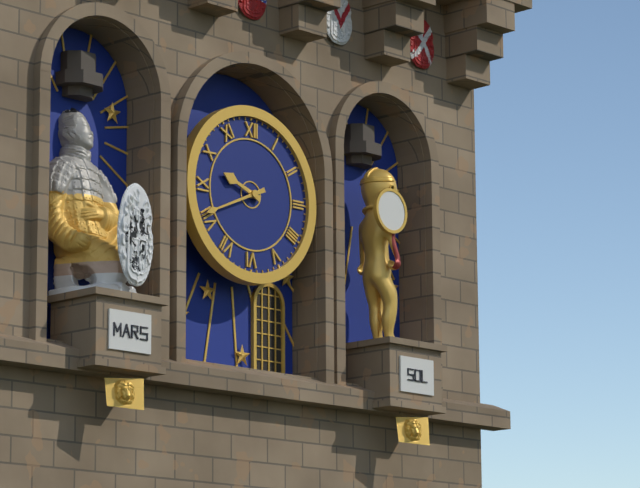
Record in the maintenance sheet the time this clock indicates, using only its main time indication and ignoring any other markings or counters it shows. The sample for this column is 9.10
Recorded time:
9.41
